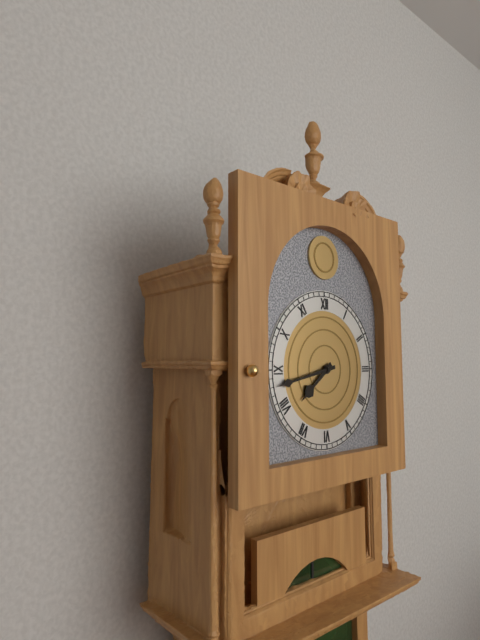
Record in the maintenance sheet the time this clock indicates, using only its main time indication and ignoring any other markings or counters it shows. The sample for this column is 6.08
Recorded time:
7.43
